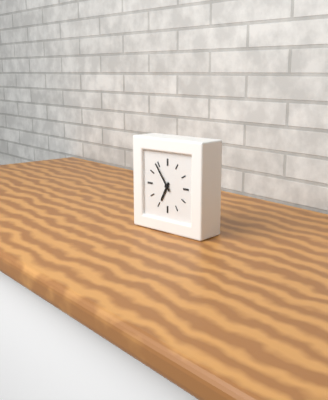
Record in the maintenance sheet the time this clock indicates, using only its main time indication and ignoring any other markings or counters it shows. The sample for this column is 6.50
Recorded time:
6.54
